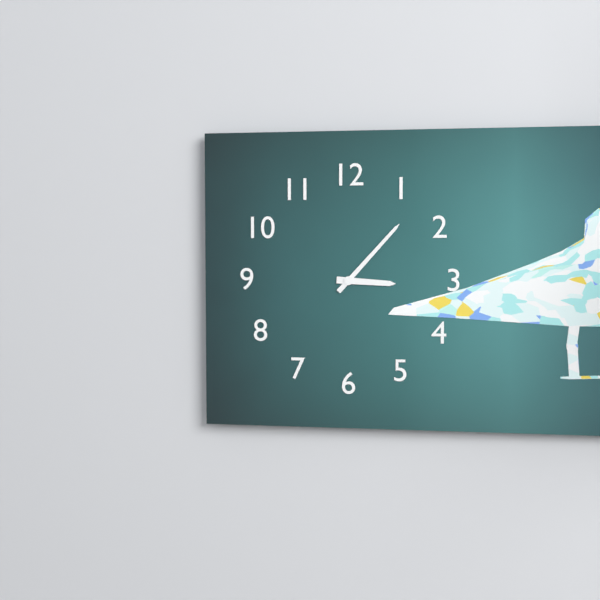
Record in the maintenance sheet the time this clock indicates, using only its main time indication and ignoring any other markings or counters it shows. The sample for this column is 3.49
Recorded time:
3.07
